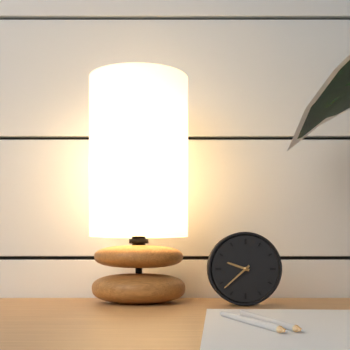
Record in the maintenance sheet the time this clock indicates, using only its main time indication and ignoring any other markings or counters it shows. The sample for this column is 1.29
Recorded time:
9.38
